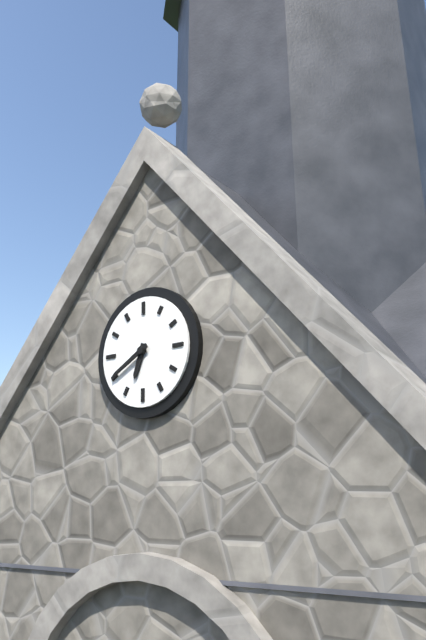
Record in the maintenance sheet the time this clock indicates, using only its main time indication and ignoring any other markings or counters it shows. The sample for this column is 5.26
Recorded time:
6.40
